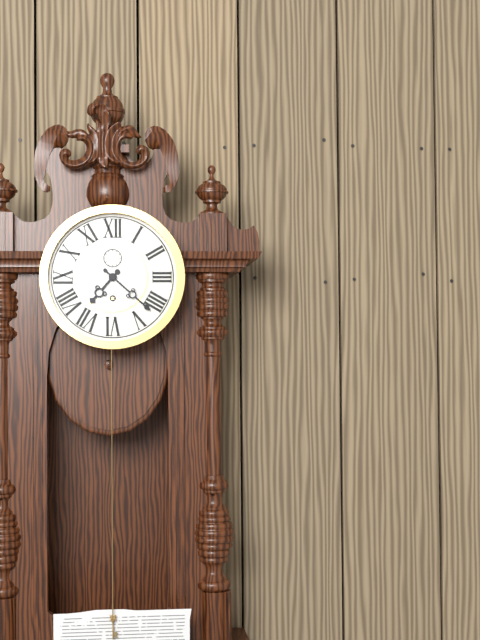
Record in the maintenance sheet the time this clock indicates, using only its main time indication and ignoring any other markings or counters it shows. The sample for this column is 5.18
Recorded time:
7.22
